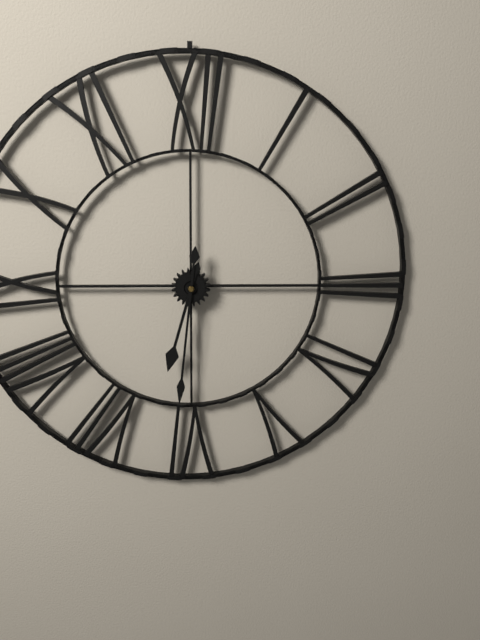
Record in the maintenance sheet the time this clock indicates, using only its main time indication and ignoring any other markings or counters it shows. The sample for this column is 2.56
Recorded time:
6.31
